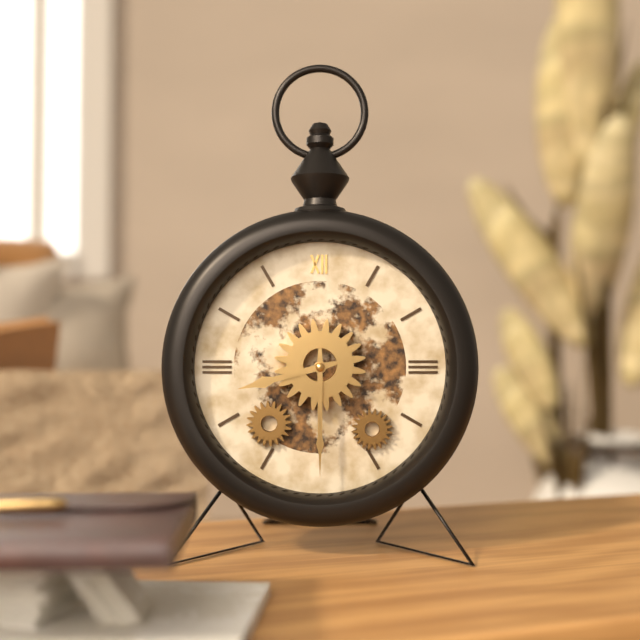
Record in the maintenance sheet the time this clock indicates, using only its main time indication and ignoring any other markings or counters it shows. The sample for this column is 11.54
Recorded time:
8.30
